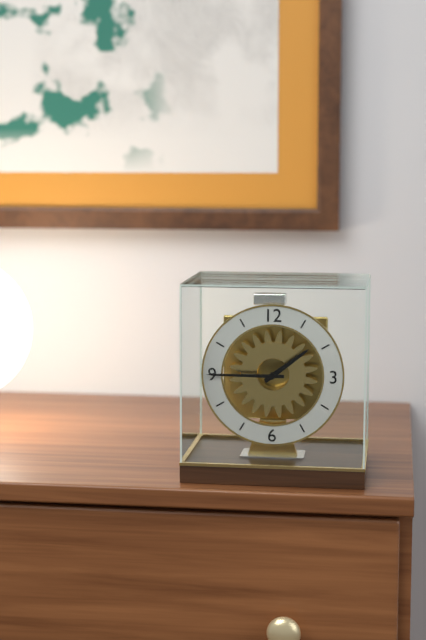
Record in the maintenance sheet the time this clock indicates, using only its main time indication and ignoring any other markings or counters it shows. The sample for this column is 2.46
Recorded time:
1.45
